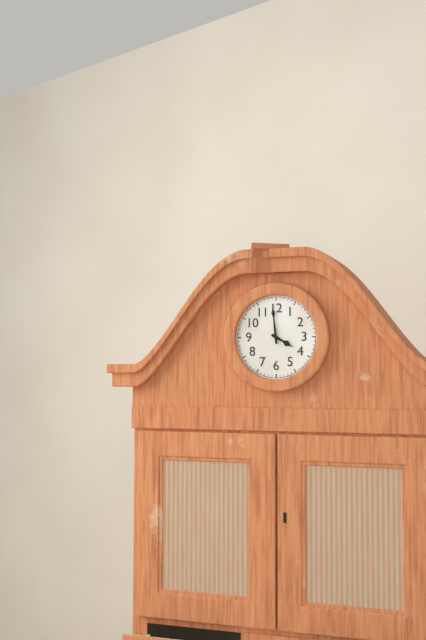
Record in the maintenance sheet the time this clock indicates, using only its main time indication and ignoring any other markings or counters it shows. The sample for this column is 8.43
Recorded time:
3.59
